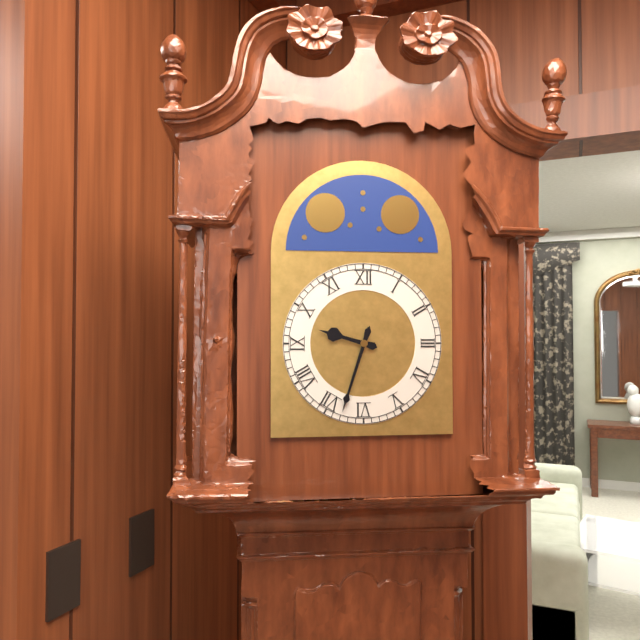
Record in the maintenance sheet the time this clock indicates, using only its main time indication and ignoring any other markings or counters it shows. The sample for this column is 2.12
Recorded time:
9.33
